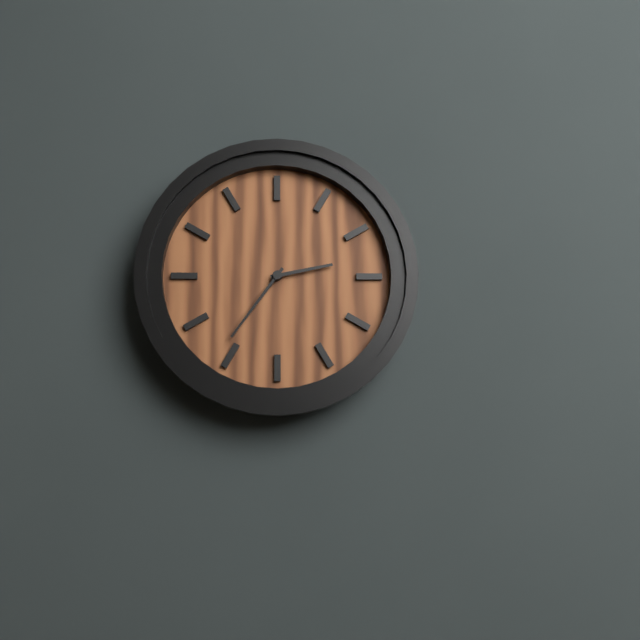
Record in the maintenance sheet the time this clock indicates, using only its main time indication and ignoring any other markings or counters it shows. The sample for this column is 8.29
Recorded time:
2.36
